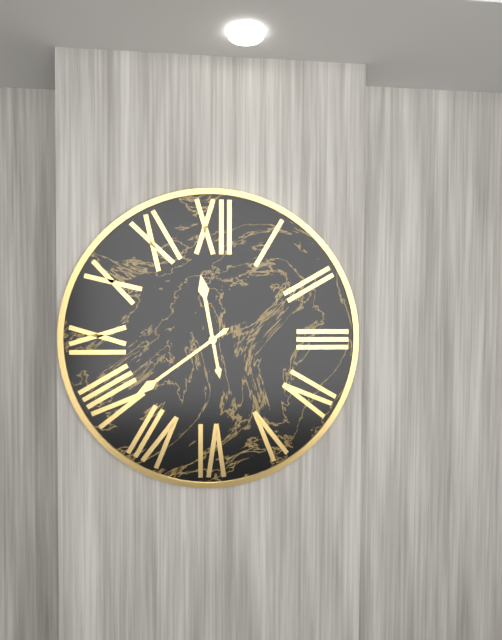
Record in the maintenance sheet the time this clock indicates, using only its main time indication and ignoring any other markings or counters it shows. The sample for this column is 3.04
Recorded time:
11.39
